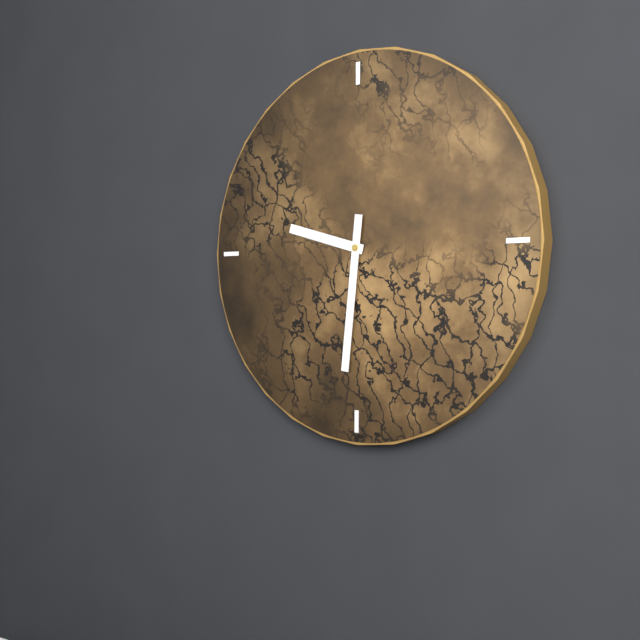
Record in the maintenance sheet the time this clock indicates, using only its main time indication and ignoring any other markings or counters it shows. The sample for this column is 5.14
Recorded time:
9.31
